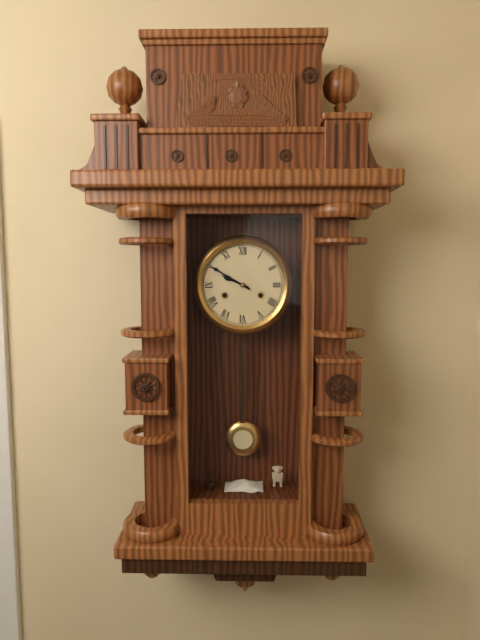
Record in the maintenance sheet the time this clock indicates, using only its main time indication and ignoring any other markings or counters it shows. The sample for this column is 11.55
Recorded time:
9.50
